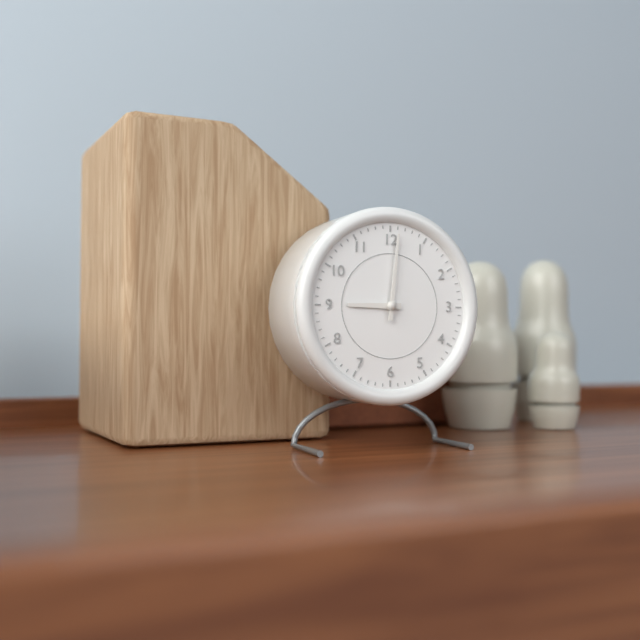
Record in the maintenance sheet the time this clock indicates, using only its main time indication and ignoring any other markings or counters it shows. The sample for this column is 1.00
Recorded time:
9.01
